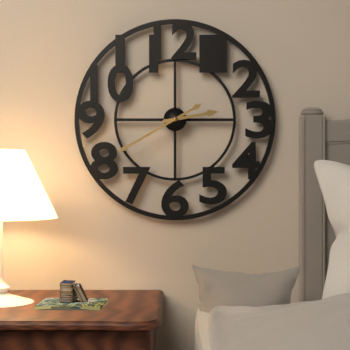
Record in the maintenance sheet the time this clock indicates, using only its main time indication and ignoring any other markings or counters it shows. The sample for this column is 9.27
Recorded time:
2.40
